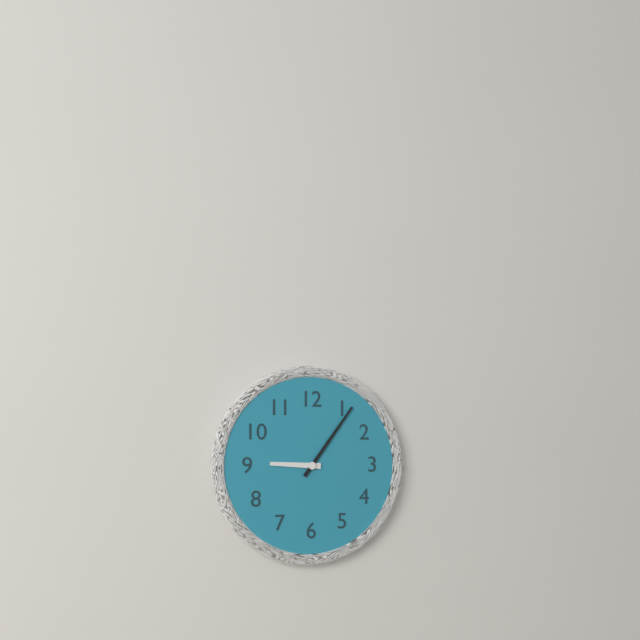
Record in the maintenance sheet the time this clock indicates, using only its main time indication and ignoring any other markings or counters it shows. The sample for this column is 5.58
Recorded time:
9.06
